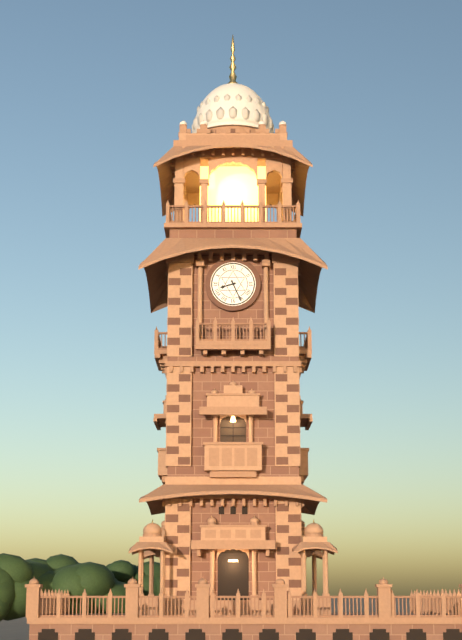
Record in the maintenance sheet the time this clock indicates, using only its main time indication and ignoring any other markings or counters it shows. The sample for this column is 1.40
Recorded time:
8.26
